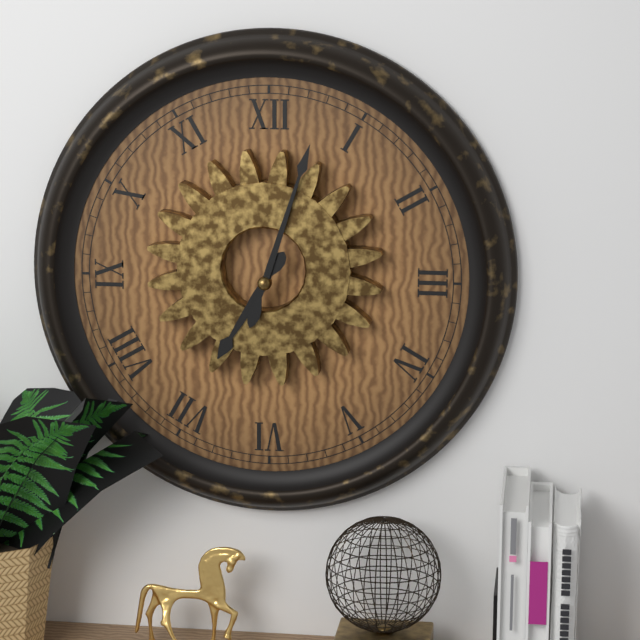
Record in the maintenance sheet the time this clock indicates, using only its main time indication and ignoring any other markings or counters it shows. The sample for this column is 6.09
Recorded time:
7.03
